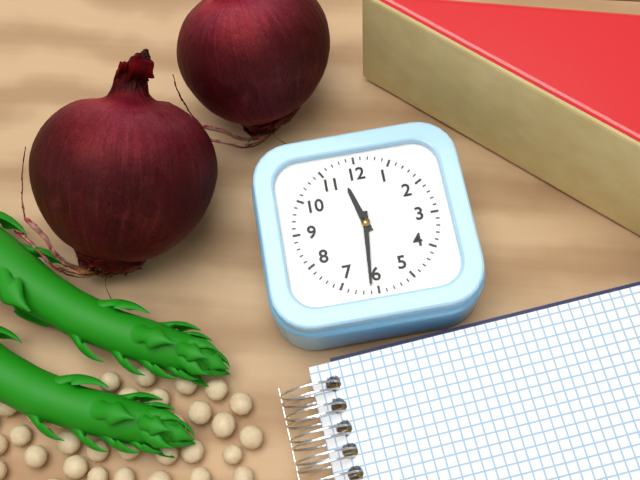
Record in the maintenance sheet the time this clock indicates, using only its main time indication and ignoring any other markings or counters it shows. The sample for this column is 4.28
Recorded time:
11.31
